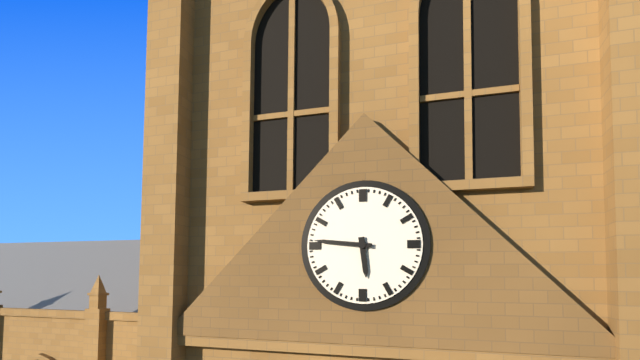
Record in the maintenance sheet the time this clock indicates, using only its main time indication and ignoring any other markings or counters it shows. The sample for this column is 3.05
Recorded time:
5.46
